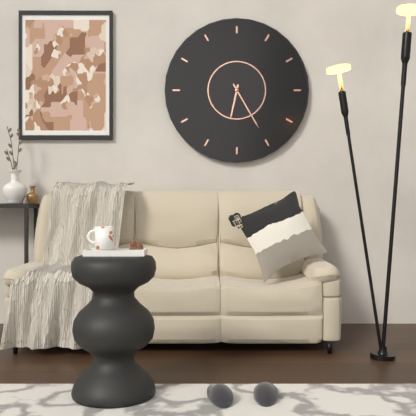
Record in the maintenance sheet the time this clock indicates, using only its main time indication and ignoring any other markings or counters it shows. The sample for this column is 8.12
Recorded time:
6.25
